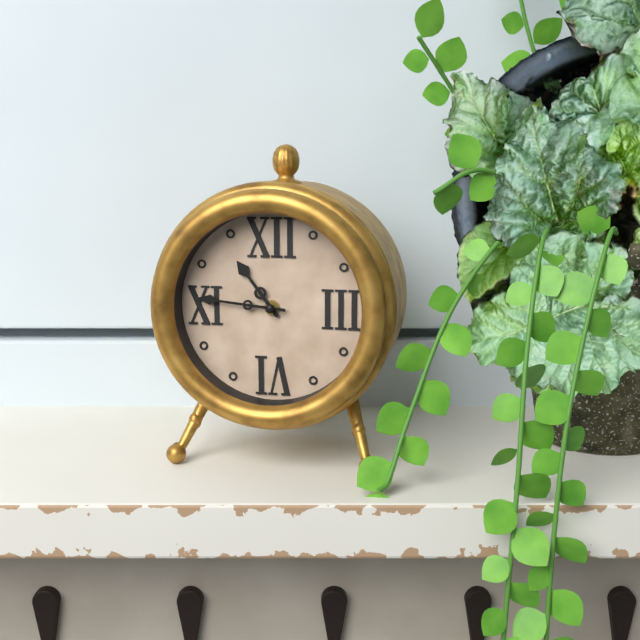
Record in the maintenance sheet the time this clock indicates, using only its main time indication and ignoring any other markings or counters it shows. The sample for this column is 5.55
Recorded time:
10.46
